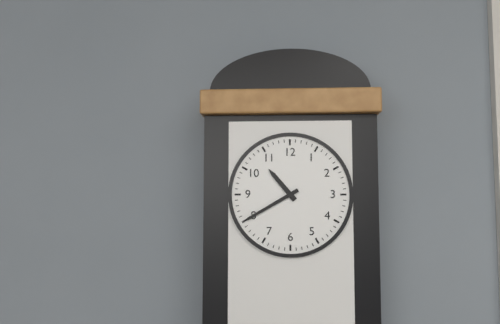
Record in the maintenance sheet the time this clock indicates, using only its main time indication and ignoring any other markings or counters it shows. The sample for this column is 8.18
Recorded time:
10.40
